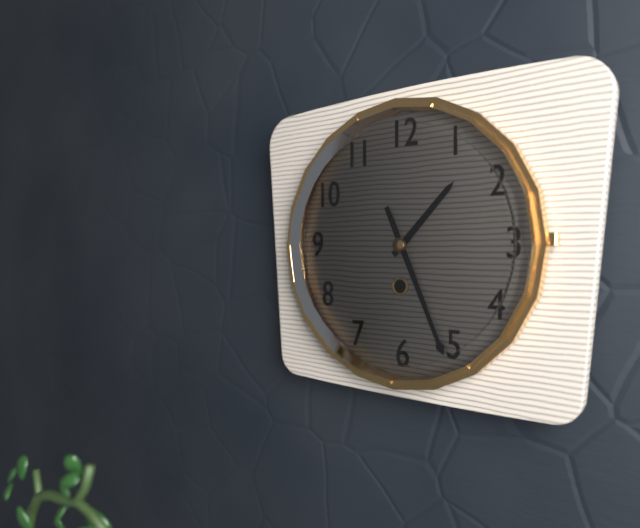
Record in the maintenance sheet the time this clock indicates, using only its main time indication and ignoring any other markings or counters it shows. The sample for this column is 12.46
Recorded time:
1.26
